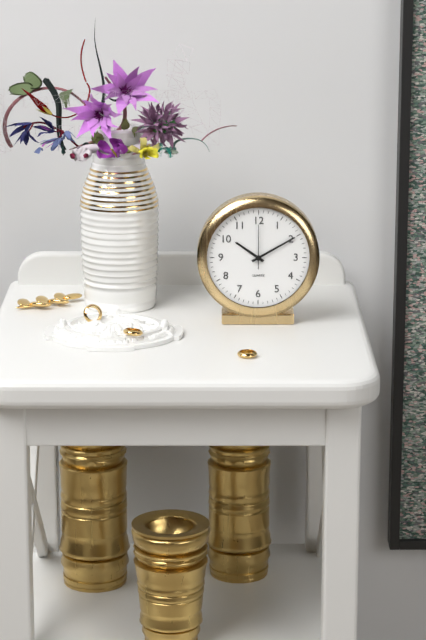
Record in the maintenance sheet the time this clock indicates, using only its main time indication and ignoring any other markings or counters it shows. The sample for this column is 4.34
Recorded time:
10.10
